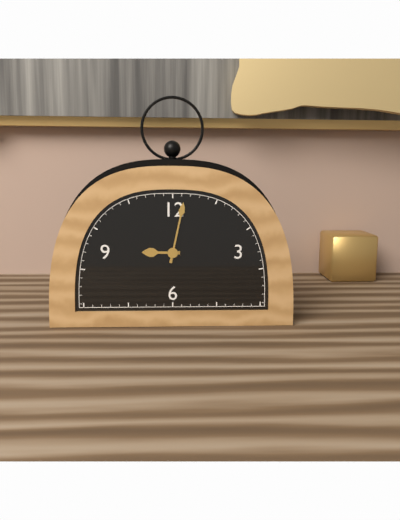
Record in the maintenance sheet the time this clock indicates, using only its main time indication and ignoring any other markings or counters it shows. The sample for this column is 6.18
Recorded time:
9.02
